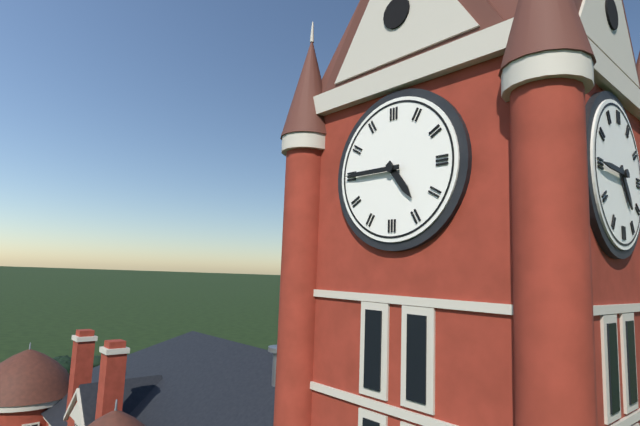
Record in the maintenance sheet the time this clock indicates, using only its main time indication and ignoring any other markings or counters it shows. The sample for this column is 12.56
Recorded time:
4.45
